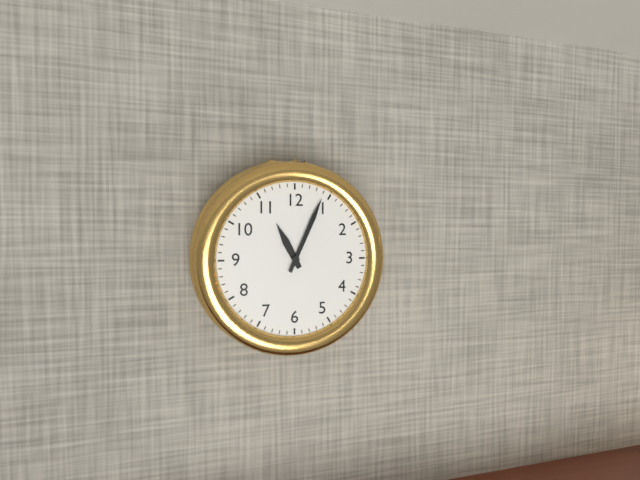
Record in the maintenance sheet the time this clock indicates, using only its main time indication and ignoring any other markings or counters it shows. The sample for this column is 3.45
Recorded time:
11.04
